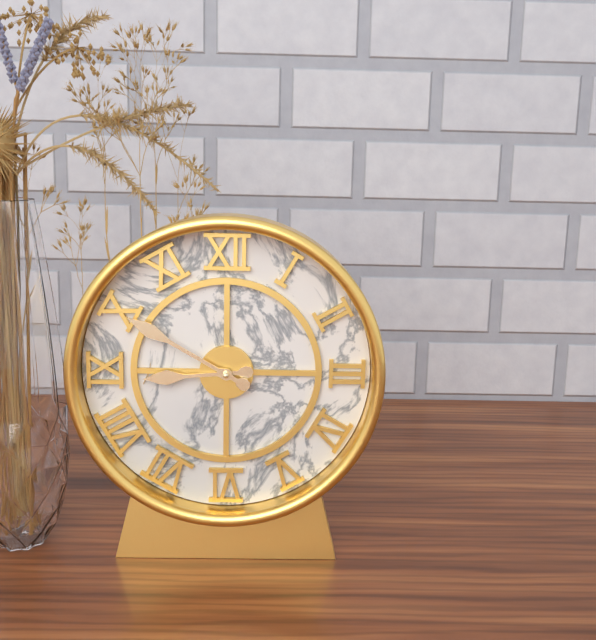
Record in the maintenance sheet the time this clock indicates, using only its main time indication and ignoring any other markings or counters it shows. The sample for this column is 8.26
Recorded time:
8.50
